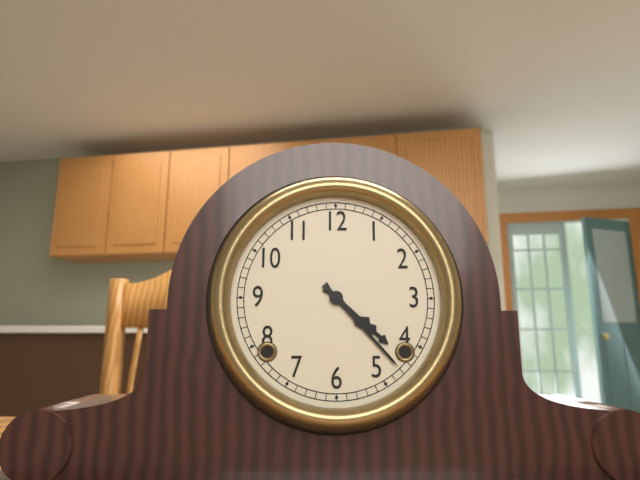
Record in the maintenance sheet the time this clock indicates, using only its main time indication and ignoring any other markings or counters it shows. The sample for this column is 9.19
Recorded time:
4.23
